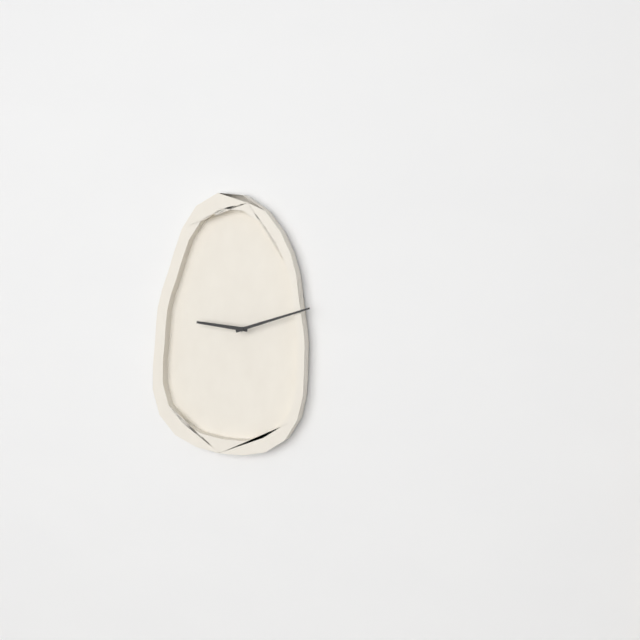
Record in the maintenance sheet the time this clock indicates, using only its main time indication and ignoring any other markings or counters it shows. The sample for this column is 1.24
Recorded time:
9.12
